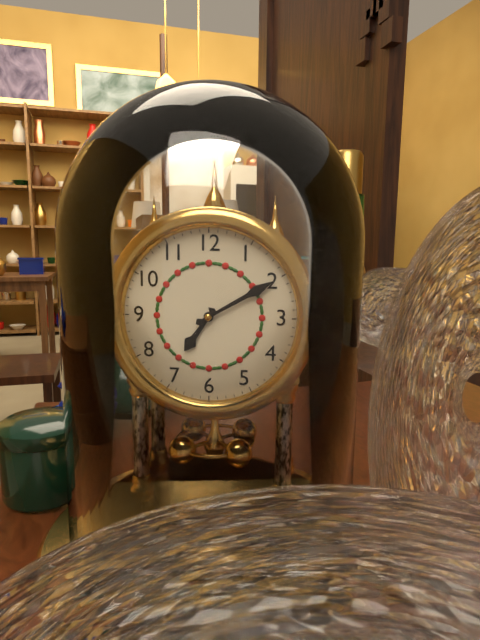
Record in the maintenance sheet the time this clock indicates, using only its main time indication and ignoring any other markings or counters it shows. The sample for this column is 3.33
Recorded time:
7.10
